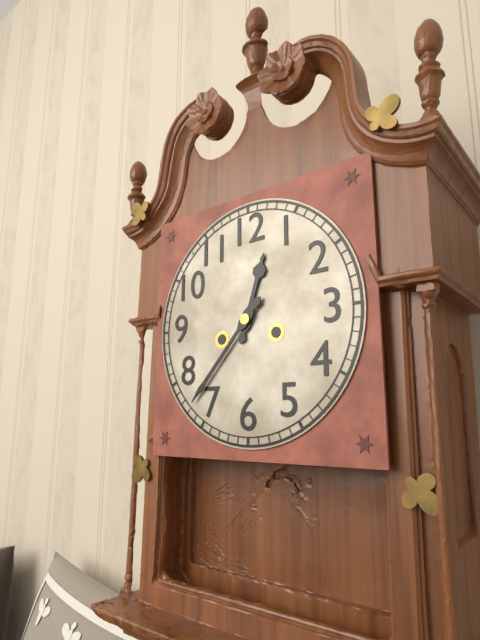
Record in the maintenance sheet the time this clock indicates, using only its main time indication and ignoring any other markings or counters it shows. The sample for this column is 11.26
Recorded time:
12.37
